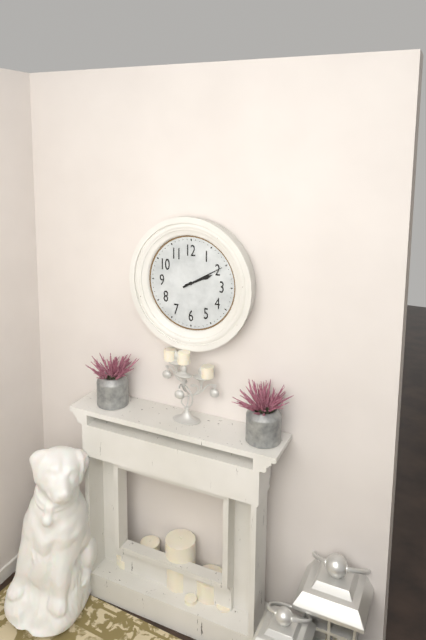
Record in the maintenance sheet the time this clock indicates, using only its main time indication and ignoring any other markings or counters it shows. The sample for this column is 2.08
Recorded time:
2.10
